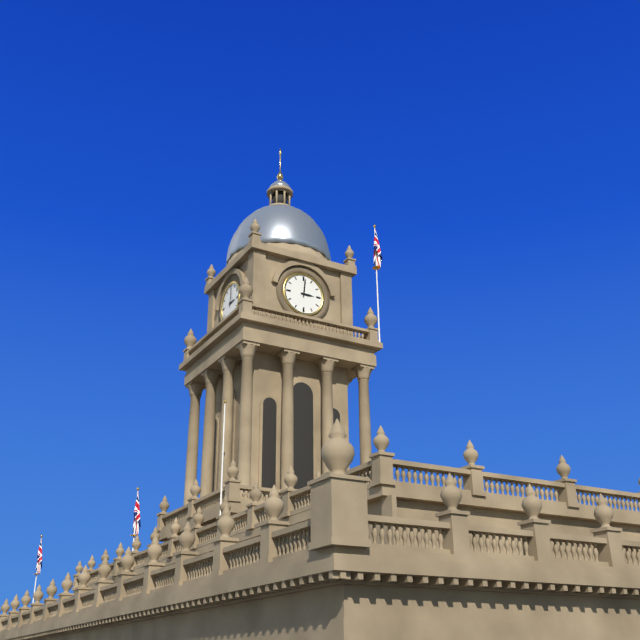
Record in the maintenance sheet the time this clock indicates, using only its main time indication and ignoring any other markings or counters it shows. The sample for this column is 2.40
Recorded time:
3.01
